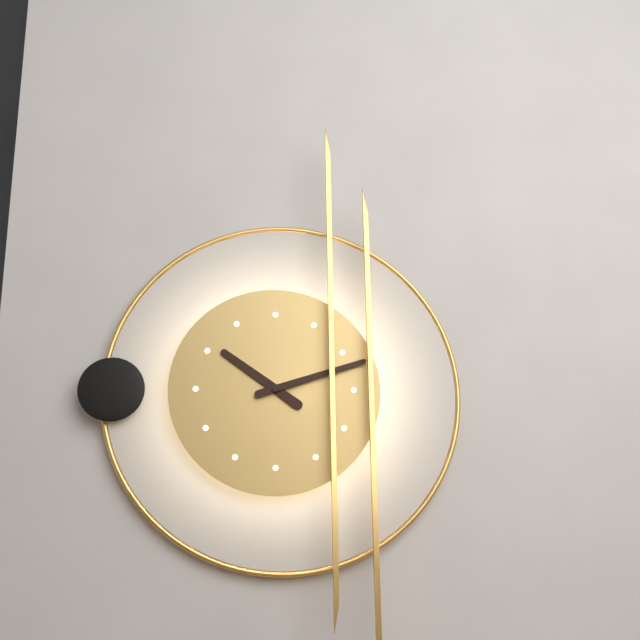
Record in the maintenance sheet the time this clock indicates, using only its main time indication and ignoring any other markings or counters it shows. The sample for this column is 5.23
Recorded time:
10.12
